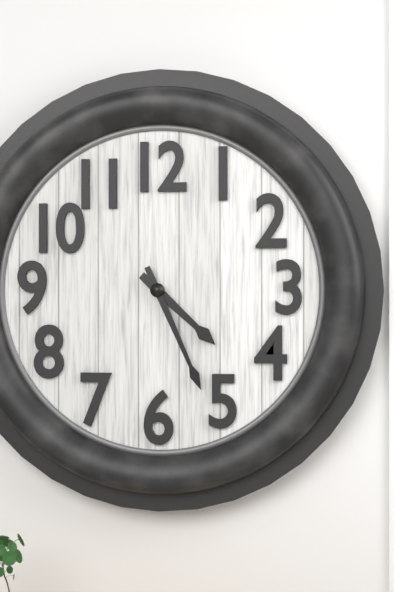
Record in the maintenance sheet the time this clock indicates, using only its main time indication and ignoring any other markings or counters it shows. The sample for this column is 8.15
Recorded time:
4.26
